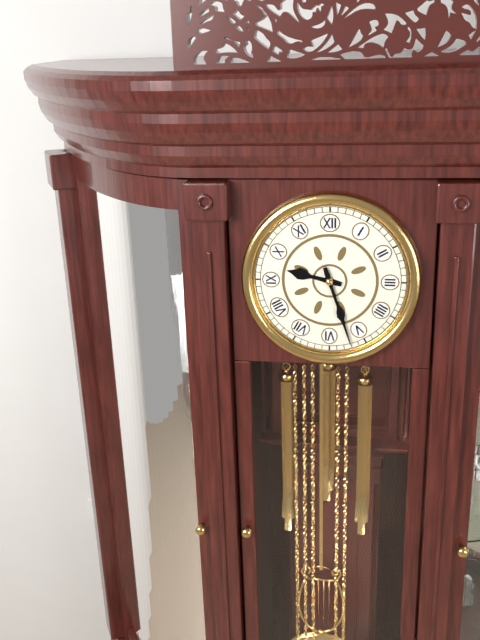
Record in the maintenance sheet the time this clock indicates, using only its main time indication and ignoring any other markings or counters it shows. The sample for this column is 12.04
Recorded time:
9.27
